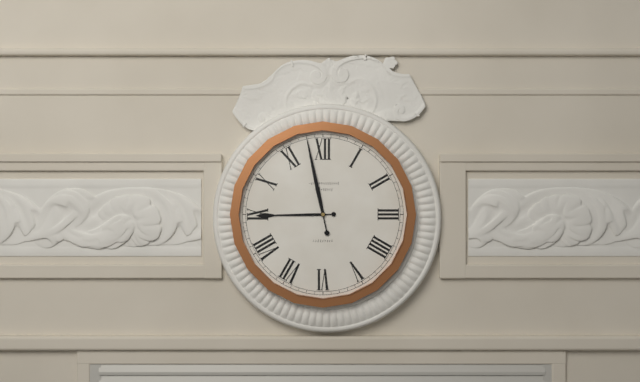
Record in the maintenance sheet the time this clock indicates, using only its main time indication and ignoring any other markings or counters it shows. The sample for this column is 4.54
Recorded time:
8.58
